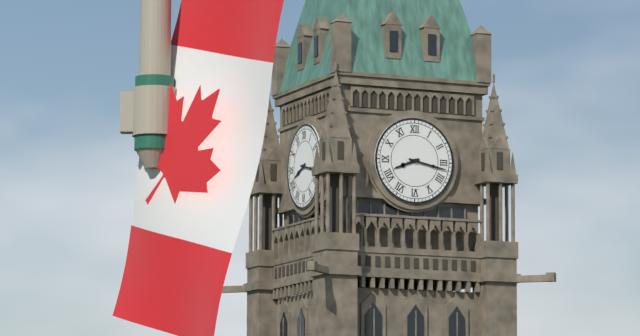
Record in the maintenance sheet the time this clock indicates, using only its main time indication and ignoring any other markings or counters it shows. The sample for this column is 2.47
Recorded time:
8.17
